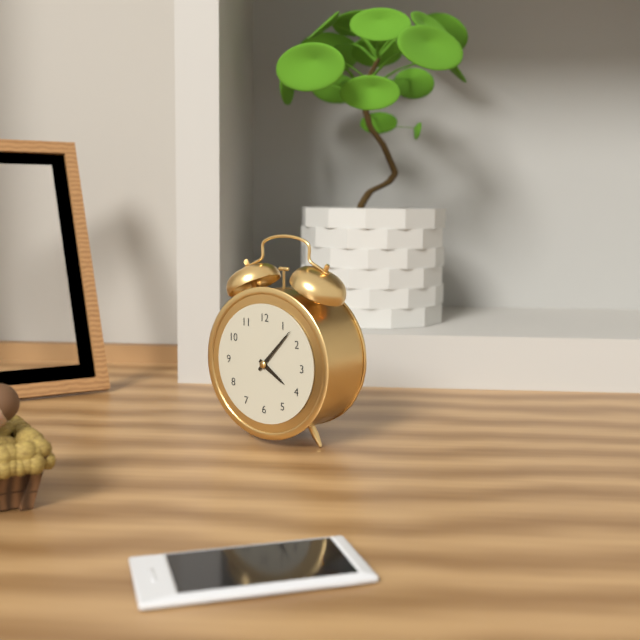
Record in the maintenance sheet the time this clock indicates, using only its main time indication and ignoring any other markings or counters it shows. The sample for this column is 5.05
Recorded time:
4.07
